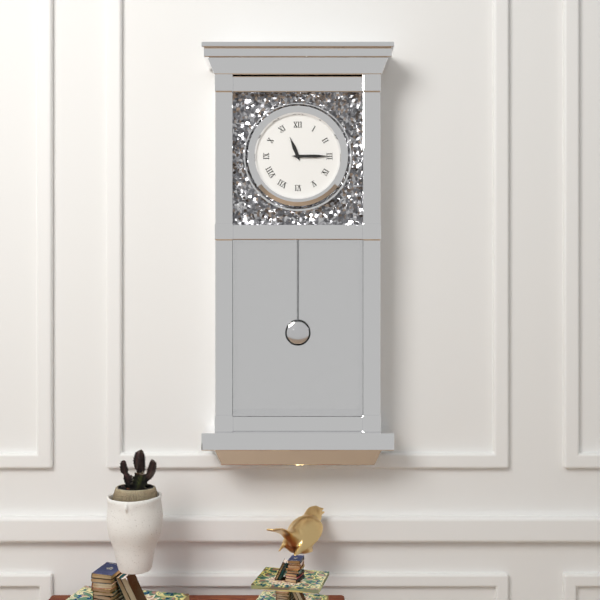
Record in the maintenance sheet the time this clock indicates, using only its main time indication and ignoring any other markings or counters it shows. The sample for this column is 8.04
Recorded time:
11.15
